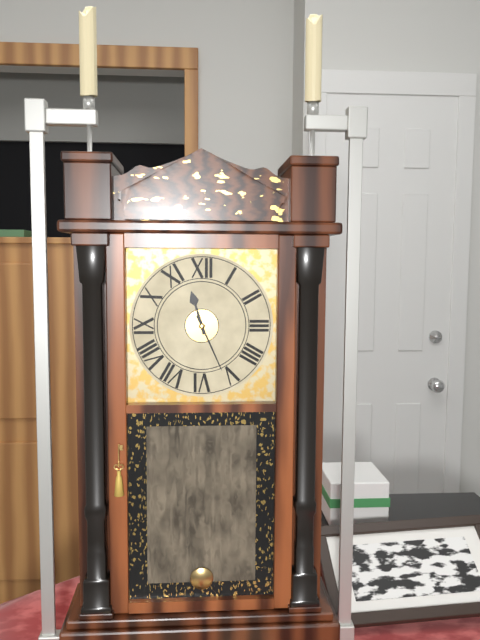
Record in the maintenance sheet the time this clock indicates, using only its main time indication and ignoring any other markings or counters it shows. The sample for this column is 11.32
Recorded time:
11.26
